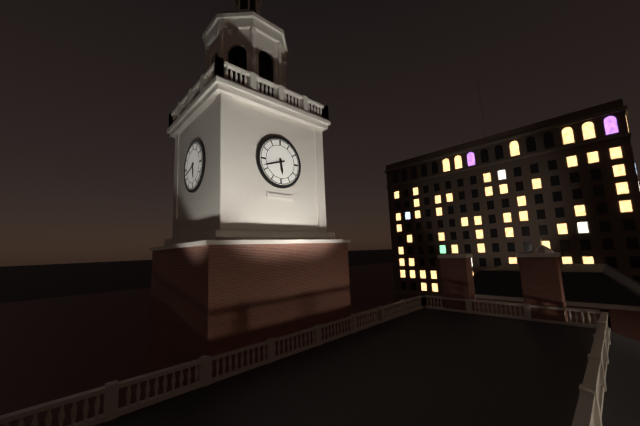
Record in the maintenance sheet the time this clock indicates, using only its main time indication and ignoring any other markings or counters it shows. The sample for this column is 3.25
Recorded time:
5.42
